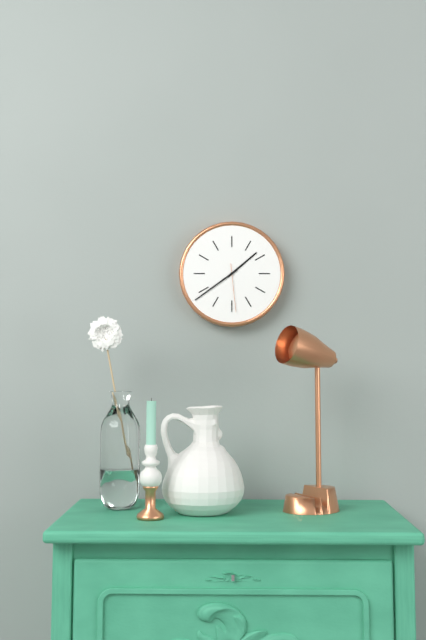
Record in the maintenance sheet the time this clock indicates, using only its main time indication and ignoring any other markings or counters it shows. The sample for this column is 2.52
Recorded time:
1.39
